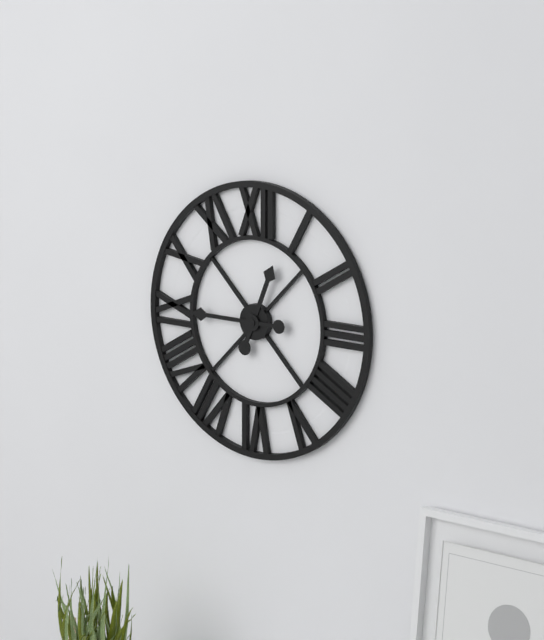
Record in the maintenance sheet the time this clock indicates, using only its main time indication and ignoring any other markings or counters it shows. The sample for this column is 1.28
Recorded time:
12.45
